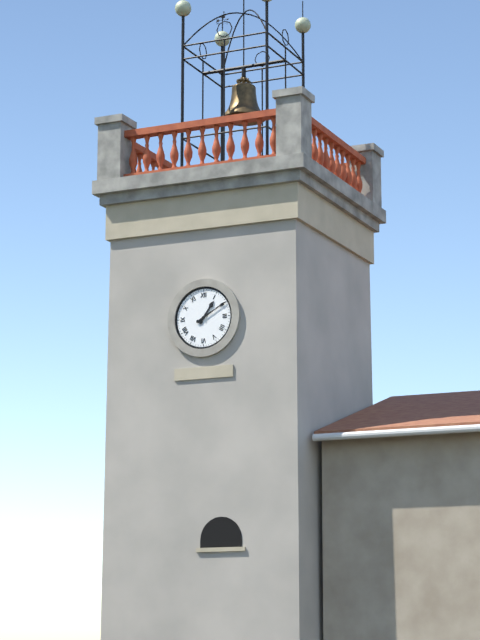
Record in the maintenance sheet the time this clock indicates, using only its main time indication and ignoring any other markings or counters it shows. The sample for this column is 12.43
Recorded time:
1.10
